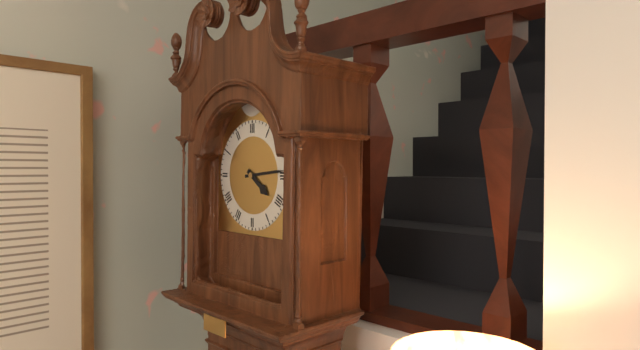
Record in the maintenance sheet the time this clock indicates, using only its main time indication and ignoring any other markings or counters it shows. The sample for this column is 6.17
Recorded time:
4.14
